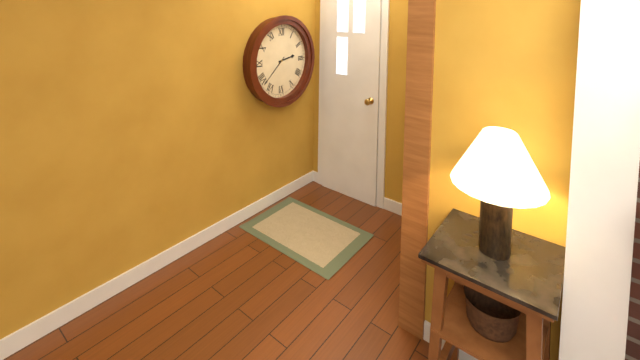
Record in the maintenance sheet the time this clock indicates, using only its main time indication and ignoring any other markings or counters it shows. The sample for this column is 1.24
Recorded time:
2.38
